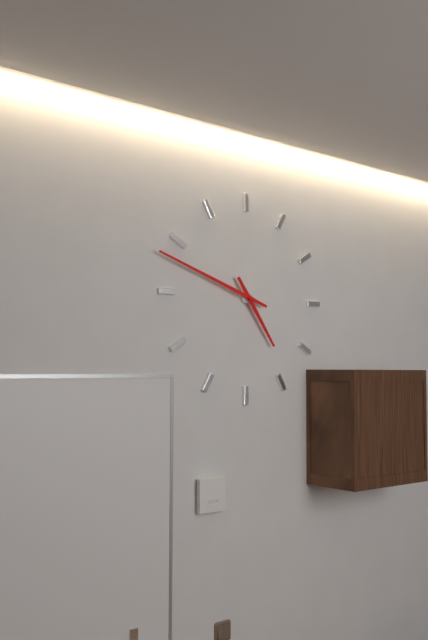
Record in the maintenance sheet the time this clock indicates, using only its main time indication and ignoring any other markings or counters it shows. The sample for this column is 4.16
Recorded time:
4.48
